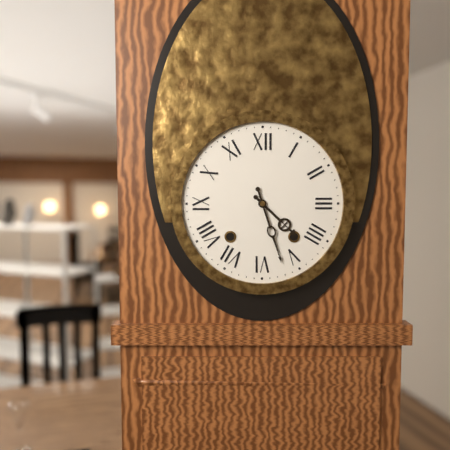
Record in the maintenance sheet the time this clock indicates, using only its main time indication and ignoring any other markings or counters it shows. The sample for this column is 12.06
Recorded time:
4.27
